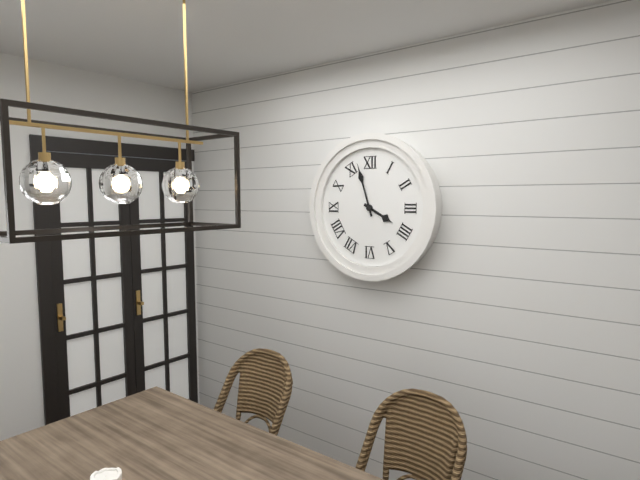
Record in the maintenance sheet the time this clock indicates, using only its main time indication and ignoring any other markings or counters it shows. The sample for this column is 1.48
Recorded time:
3.57
